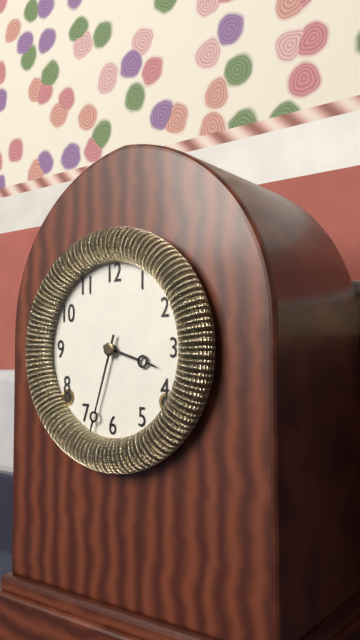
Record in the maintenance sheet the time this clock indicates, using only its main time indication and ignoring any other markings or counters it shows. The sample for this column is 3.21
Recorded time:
3.33
